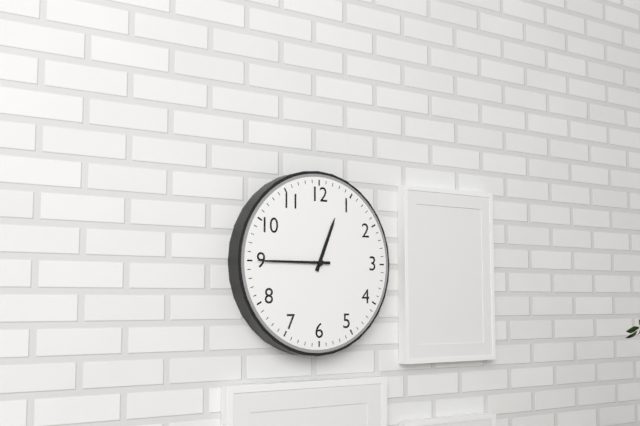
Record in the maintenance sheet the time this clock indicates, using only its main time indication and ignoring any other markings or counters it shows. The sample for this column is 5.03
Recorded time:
12.45
